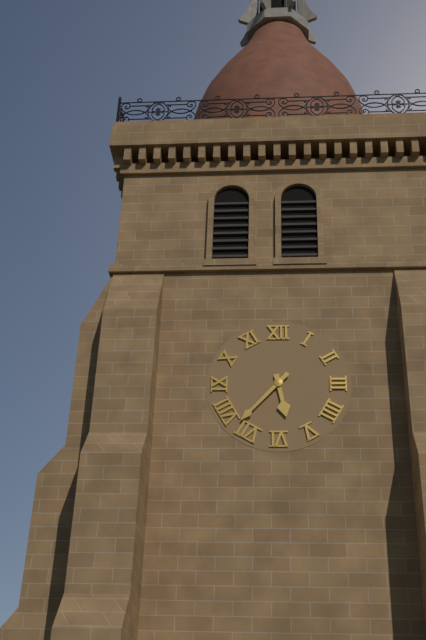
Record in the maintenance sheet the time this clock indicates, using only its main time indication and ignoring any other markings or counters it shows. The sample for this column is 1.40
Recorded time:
5.37
